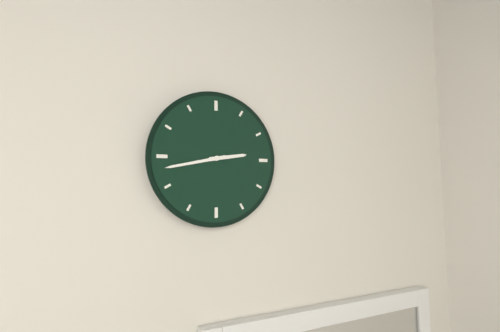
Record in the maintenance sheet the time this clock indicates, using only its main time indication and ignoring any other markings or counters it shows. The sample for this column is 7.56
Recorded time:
2.43
